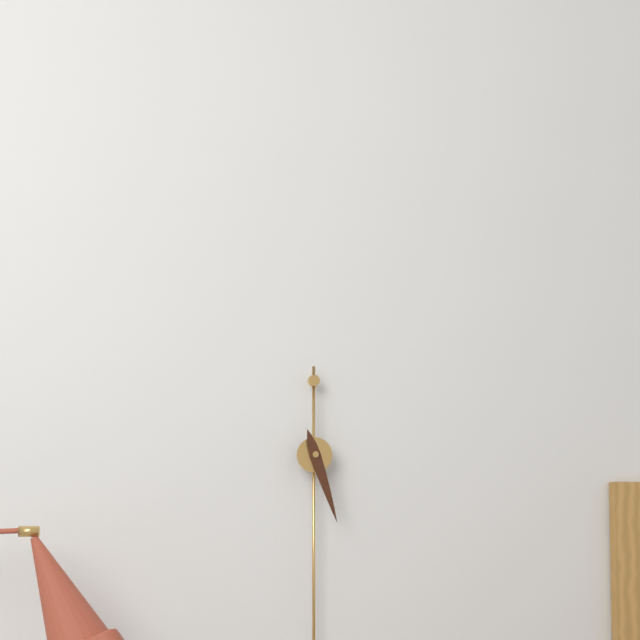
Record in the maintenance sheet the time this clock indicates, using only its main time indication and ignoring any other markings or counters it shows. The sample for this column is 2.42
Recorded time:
5.27
